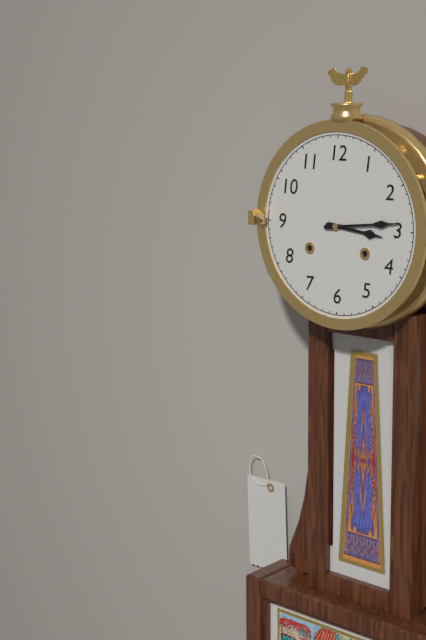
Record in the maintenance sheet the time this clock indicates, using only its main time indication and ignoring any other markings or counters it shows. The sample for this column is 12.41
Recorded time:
3.14
